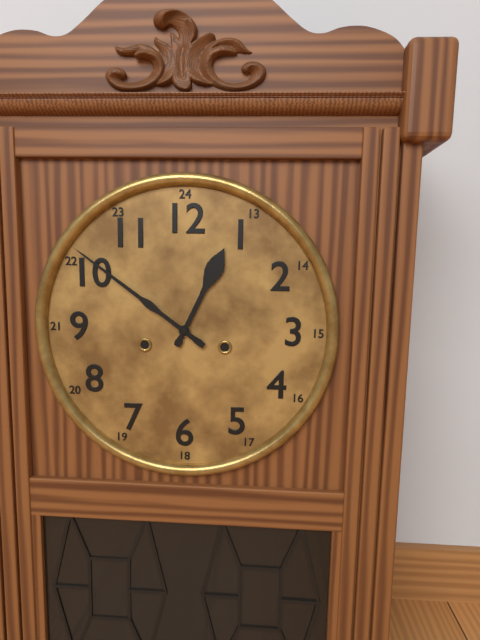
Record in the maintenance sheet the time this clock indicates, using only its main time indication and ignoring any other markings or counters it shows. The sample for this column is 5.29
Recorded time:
12.51
